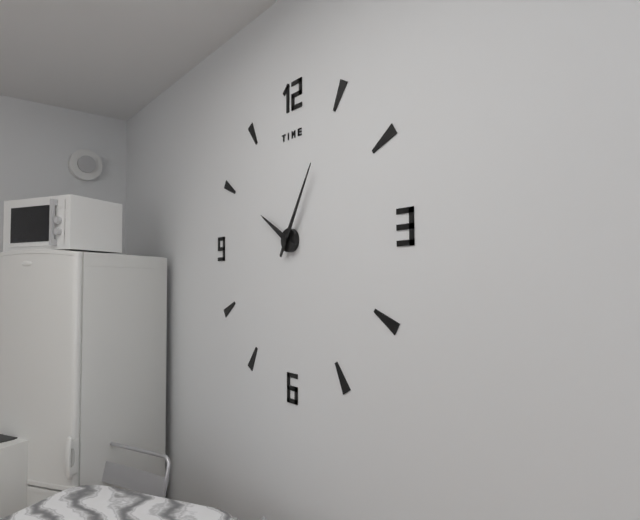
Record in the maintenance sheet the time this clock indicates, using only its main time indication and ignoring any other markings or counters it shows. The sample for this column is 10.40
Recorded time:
10.05
